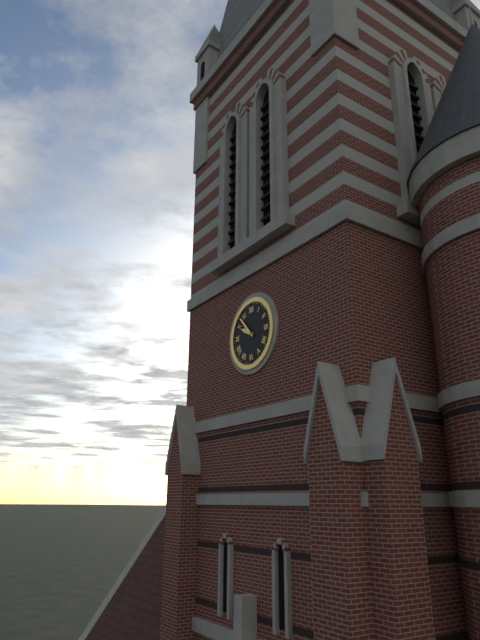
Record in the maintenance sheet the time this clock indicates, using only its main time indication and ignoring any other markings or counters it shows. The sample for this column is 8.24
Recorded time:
9.53
